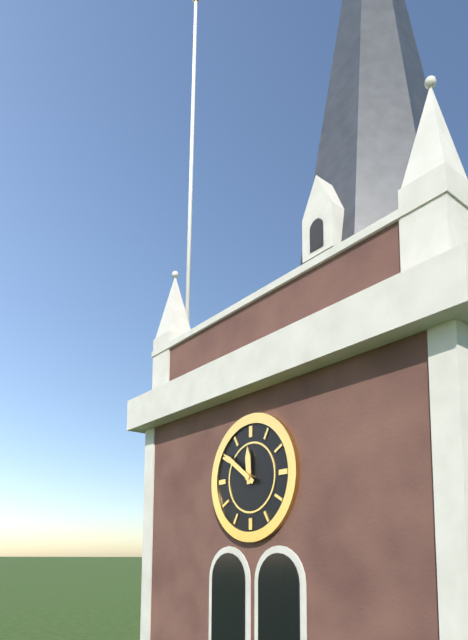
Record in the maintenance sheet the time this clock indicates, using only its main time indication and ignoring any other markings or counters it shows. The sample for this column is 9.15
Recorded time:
11.51
